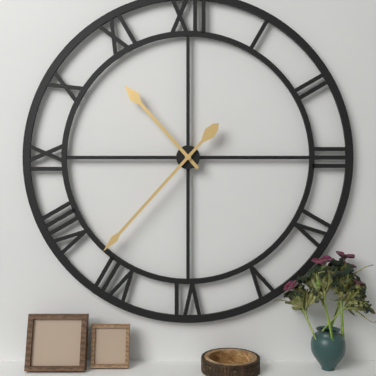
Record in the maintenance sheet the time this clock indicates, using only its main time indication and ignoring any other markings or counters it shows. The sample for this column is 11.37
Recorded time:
10.37
